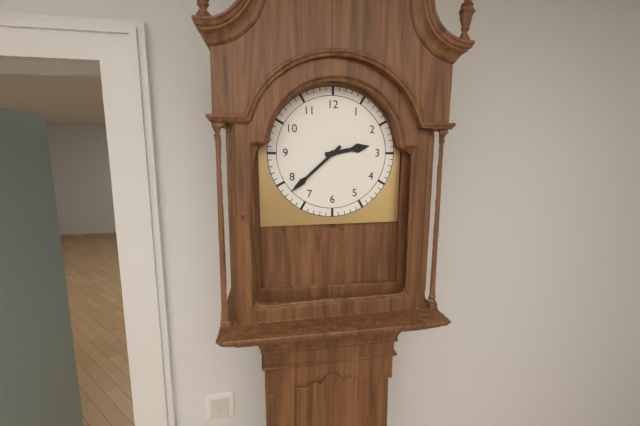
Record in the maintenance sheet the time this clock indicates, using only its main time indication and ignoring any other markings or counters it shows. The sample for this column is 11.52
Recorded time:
2.38
